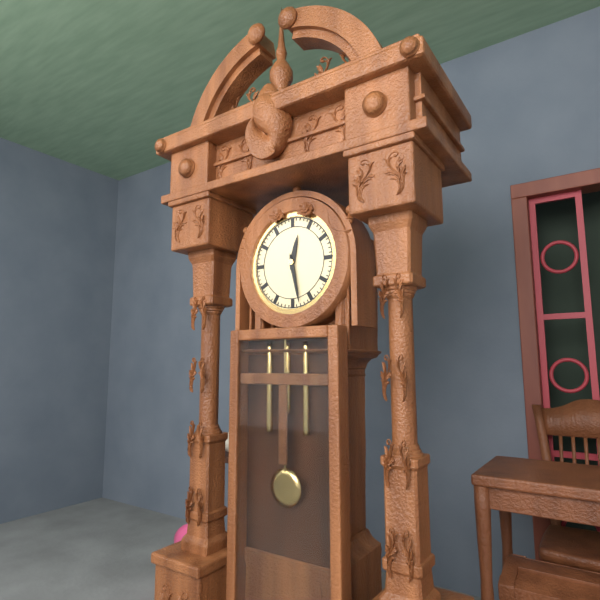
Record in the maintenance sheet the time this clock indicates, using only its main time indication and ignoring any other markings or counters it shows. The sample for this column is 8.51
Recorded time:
12.28
